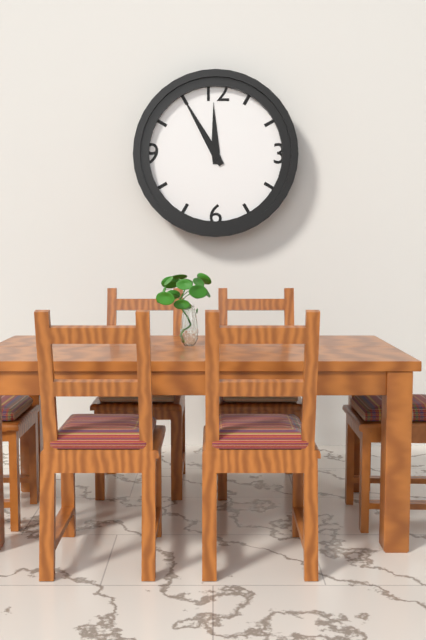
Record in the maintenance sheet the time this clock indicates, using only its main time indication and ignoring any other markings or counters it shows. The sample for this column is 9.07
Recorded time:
11.55
